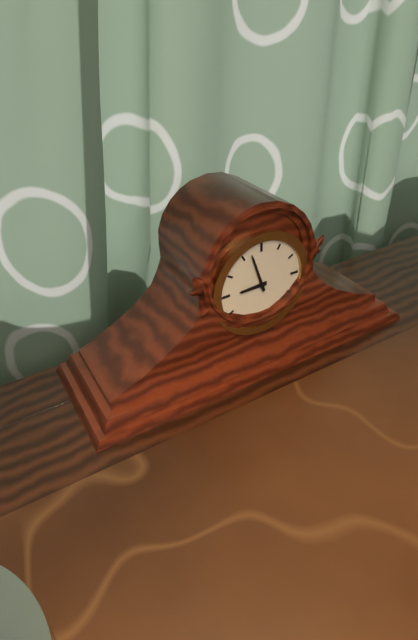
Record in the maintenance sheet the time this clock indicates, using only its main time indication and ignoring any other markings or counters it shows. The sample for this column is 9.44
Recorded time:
8.57
